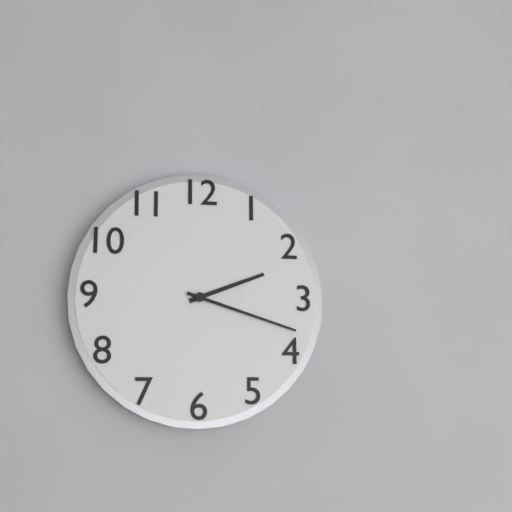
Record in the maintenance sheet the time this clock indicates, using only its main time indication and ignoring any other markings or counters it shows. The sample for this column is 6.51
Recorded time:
2.18
